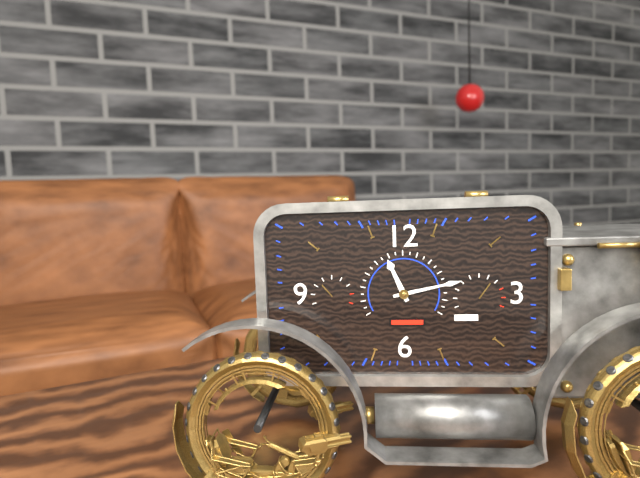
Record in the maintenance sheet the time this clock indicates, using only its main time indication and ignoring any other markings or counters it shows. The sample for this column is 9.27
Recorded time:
11.13
